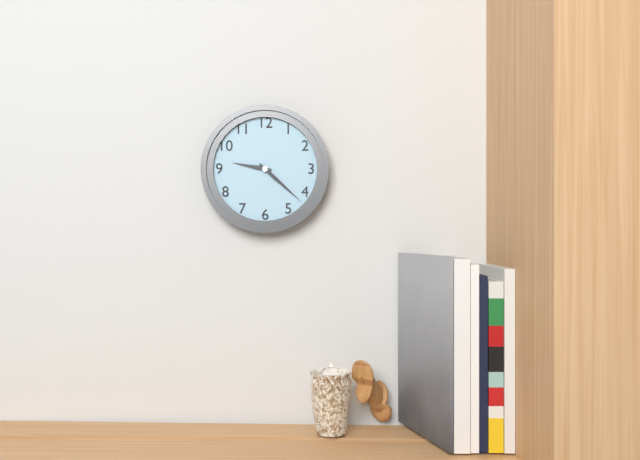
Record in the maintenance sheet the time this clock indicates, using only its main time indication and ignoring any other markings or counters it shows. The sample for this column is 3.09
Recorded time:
9.22
